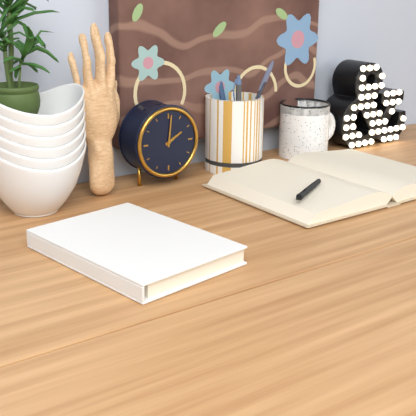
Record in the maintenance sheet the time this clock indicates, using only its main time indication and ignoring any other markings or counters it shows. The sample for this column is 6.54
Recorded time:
2.01
